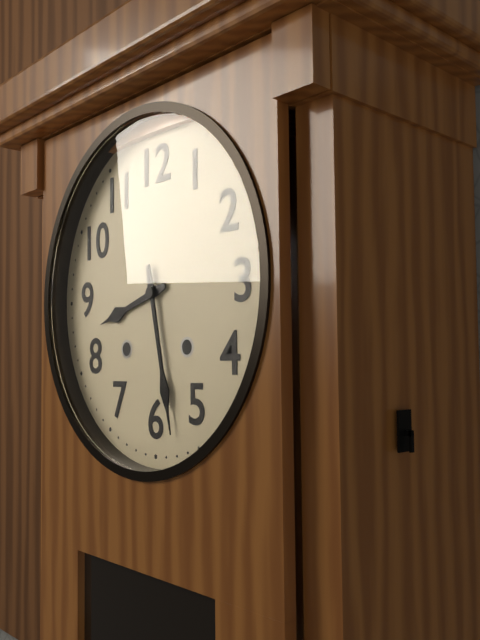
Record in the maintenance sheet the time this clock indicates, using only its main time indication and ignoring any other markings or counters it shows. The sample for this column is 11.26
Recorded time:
8.28
